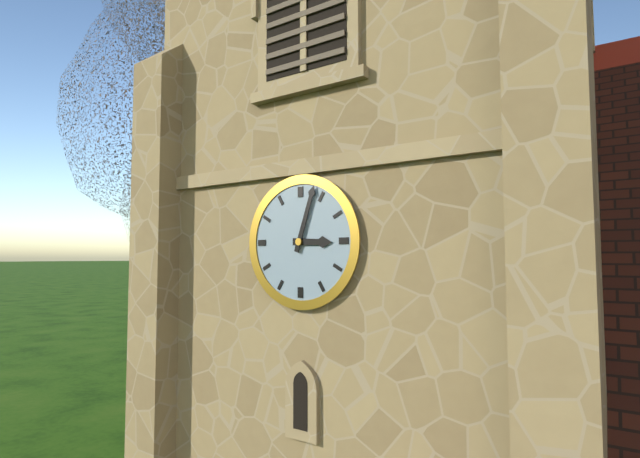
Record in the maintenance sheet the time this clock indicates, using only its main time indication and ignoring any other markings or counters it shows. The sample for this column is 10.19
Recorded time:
3.03
